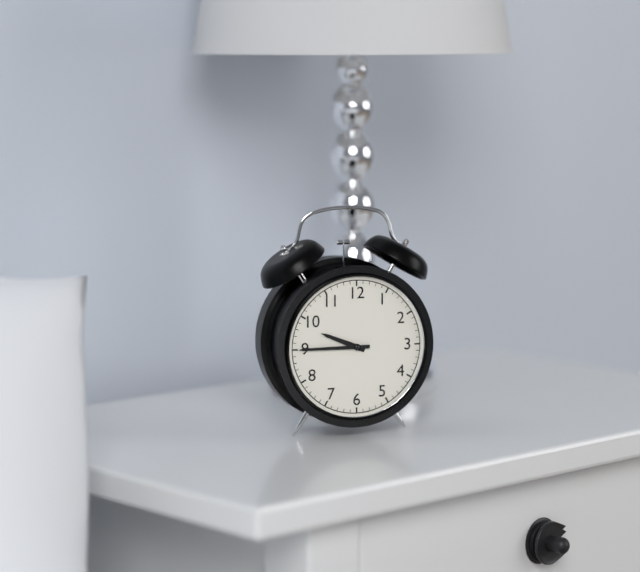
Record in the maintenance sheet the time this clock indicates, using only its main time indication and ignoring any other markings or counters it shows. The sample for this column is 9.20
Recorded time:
9.45
